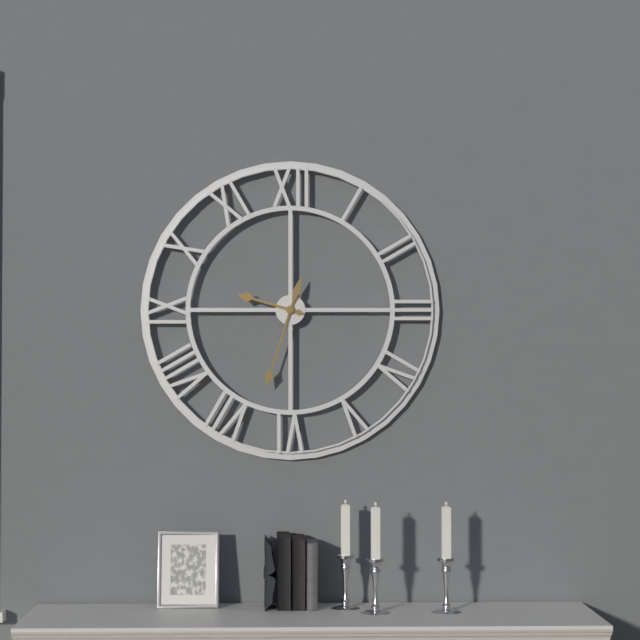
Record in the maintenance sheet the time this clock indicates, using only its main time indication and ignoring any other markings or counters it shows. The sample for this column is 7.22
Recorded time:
9.33
